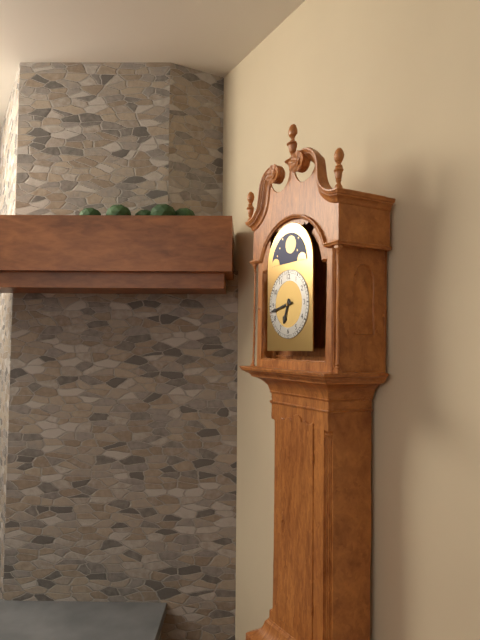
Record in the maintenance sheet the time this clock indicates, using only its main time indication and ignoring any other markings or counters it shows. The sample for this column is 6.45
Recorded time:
6.43
